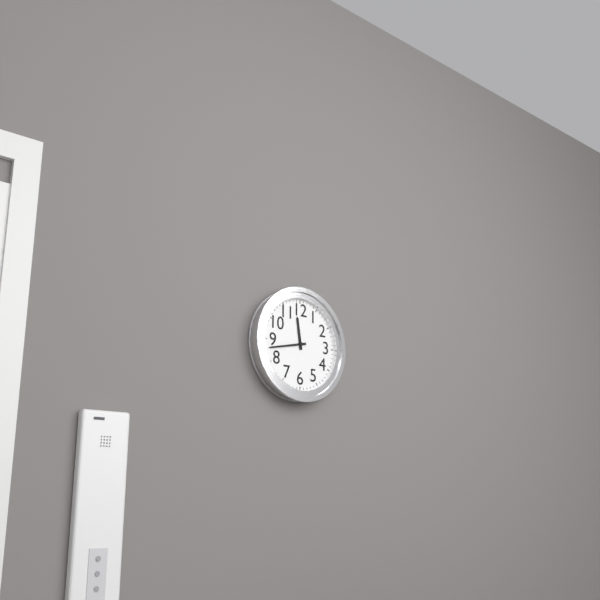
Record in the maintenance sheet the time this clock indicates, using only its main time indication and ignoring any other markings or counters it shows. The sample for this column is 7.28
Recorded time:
11.43
